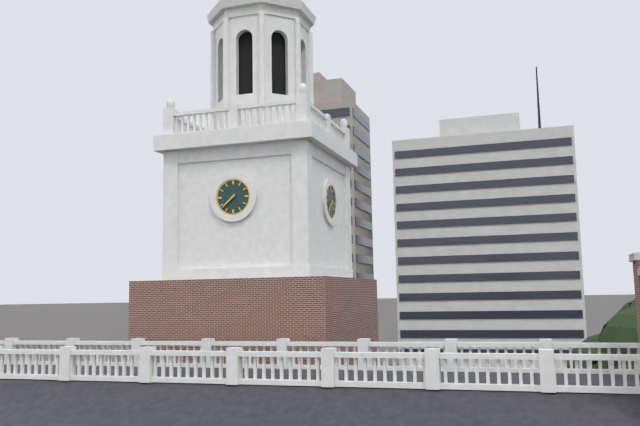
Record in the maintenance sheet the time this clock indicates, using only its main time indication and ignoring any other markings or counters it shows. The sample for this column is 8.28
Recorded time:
7.38
